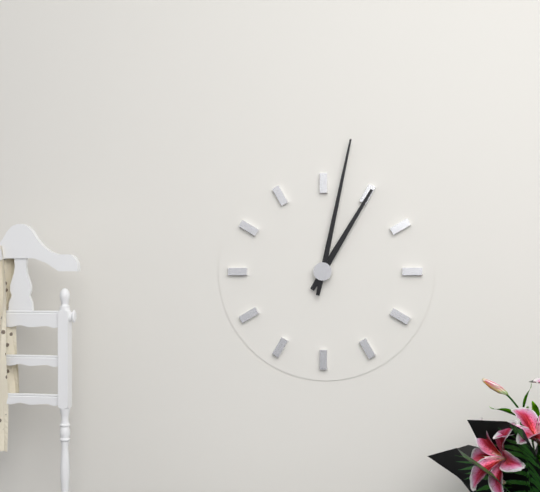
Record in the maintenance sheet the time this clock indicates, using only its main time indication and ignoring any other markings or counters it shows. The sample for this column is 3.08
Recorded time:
1.02
